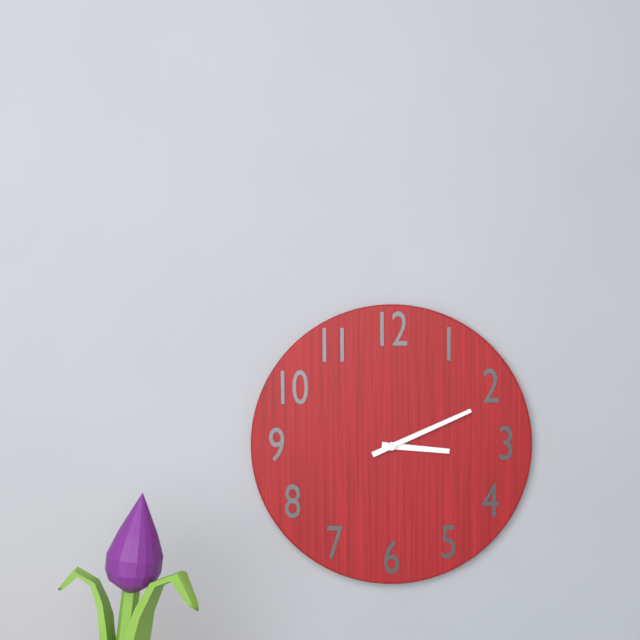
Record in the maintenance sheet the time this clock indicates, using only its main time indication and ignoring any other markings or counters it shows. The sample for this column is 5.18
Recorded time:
3.11
